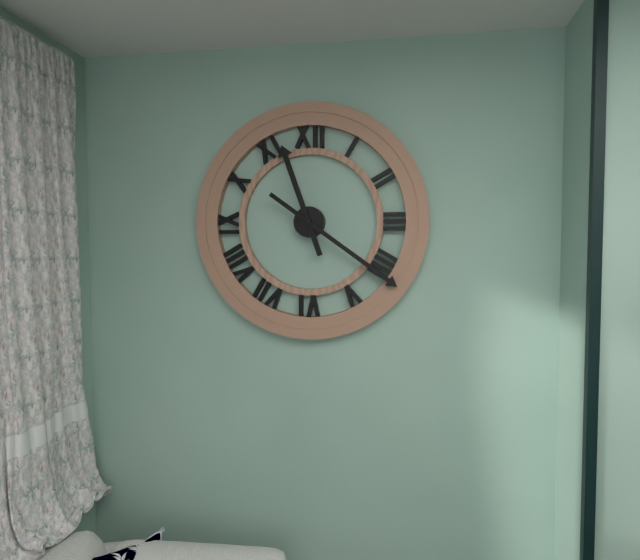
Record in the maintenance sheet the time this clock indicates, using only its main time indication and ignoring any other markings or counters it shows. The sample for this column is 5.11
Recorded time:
11.21
